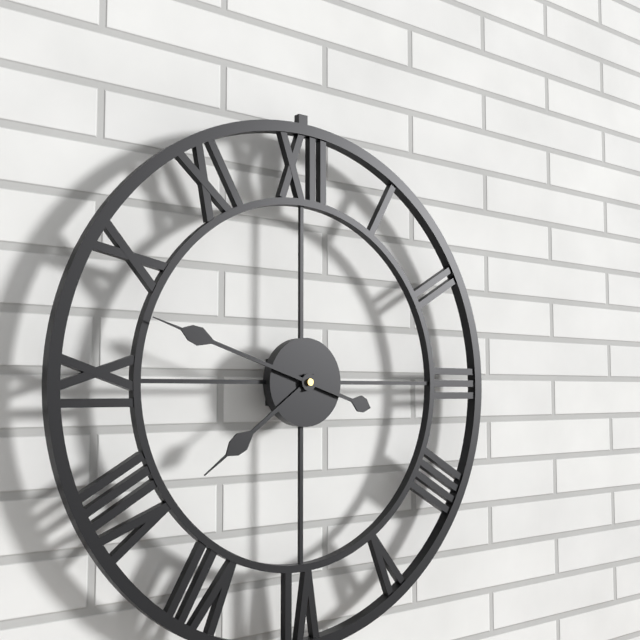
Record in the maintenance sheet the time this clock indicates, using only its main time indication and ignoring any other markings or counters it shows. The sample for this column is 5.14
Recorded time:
7.48
